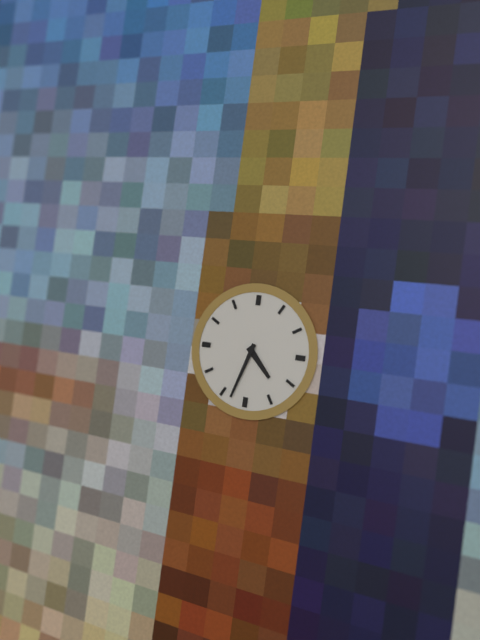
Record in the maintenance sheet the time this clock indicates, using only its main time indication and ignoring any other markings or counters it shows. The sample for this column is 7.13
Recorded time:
4.33
